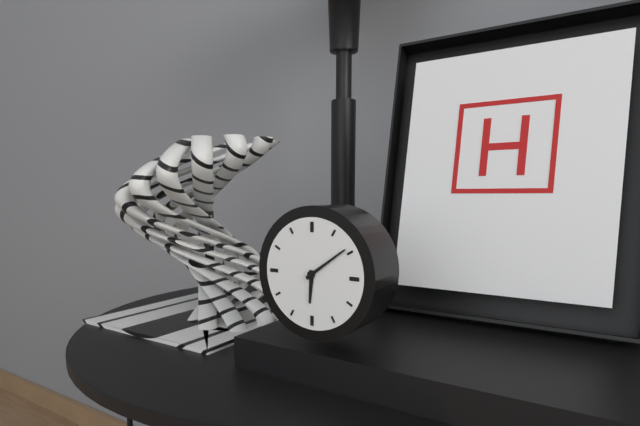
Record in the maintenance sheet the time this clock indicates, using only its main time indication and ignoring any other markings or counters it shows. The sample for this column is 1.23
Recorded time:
6.09
